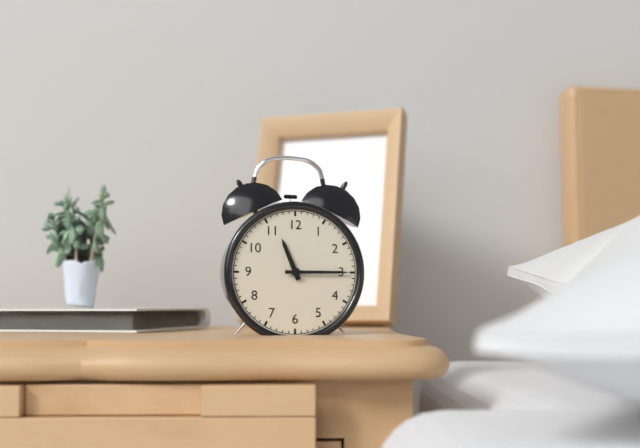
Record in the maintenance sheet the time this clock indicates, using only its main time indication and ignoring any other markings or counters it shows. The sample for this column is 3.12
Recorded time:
11.15
